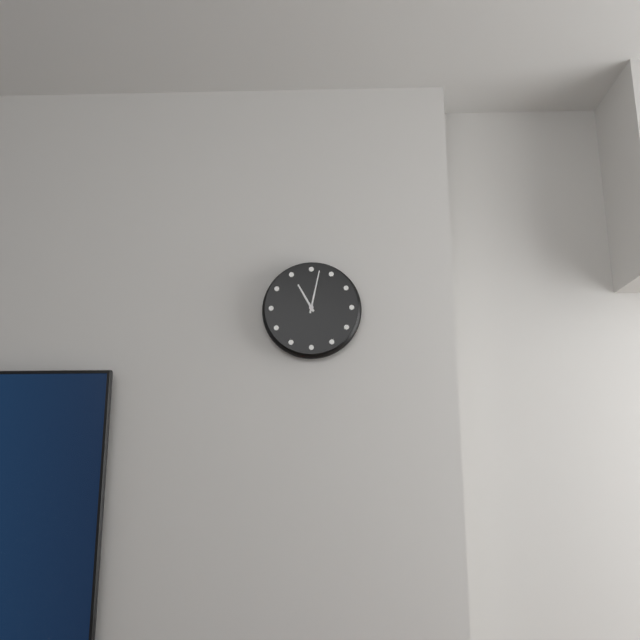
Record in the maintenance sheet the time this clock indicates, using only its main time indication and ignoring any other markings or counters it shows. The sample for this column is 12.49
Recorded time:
11.02
